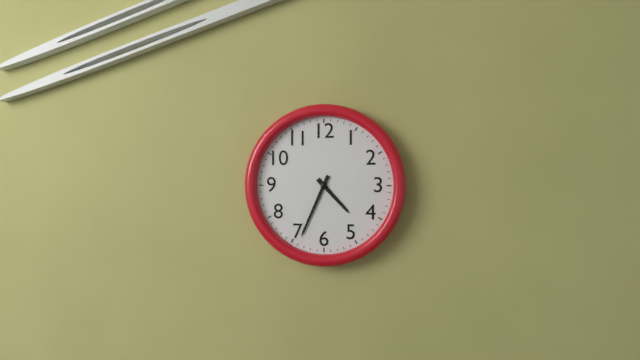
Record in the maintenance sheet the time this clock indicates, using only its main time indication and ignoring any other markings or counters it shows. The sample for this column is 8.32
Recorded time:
4.34
